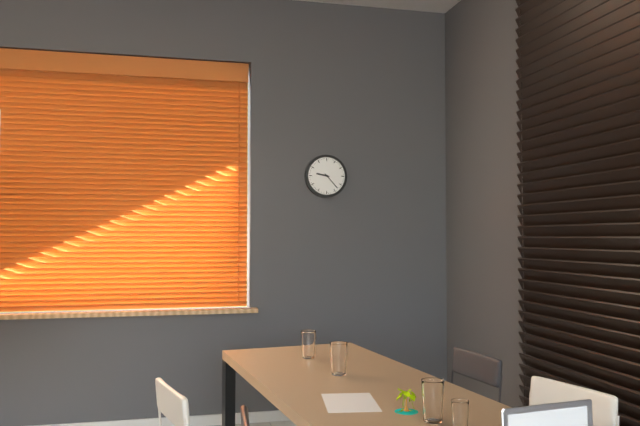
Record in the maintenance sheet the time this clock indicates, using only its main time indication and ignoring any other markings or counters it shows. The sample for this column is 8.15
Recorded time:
9.23
